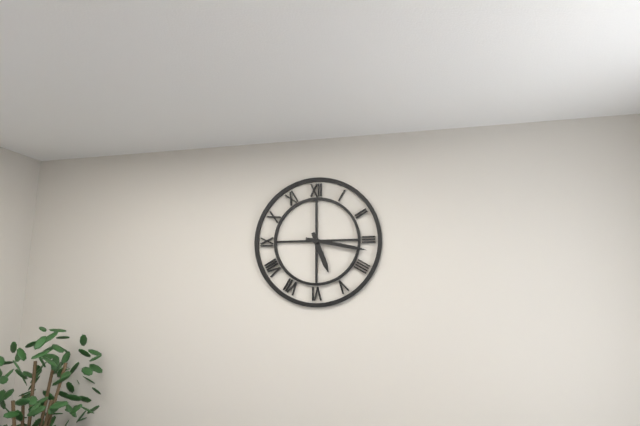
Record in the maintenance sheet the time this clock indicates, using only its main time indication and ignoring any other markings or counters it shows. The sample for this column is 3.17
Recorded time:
5.17
